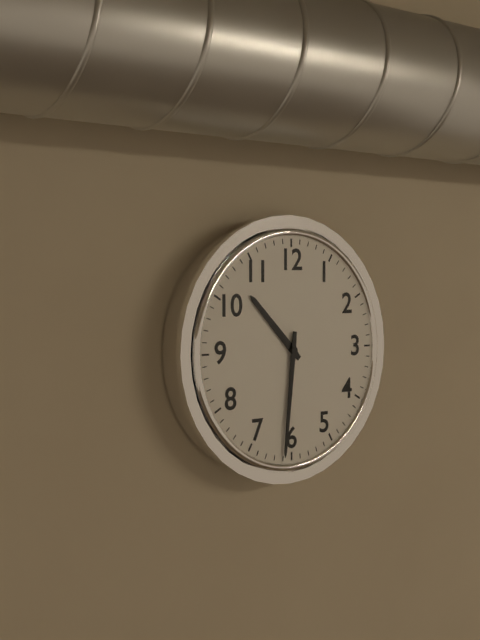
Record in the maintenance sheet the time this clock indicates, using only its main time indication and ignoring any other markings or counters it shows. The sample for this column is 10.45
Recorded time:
10.31
